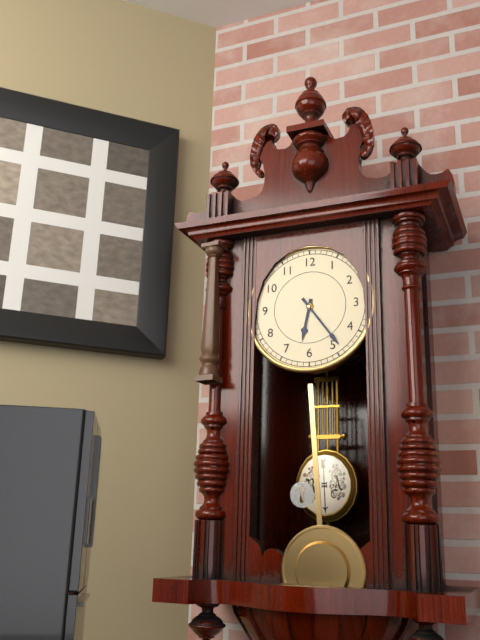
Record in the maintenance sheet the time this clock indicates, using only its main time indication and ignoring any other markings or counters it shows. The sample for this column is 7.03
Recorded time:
6.24
